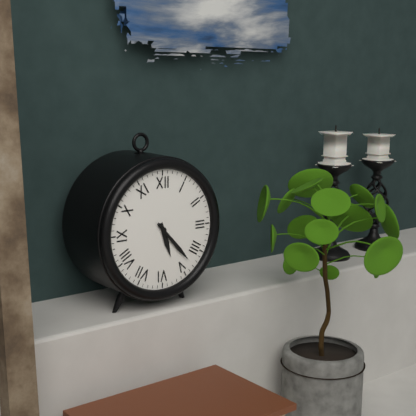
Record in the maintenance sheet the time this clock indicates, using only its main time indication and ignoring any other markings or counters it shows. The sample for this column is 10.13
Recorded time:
5.23
